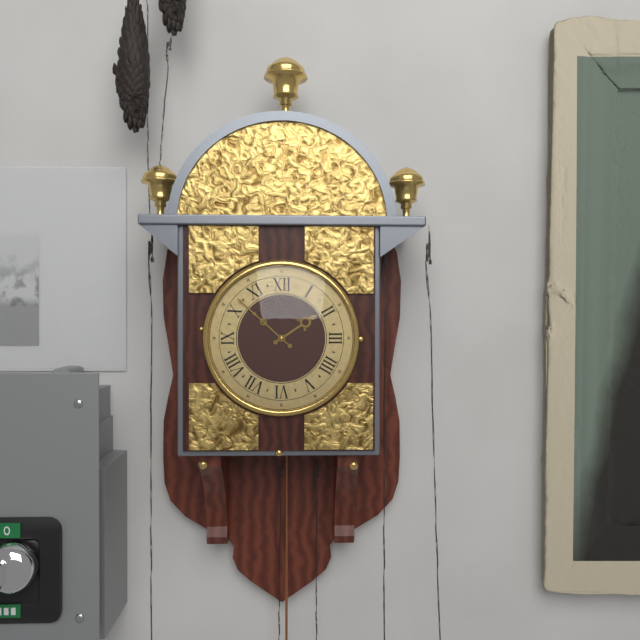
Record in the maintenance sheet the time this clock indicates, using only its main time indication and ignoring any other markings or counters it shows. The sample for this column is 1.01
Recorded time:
1.52
